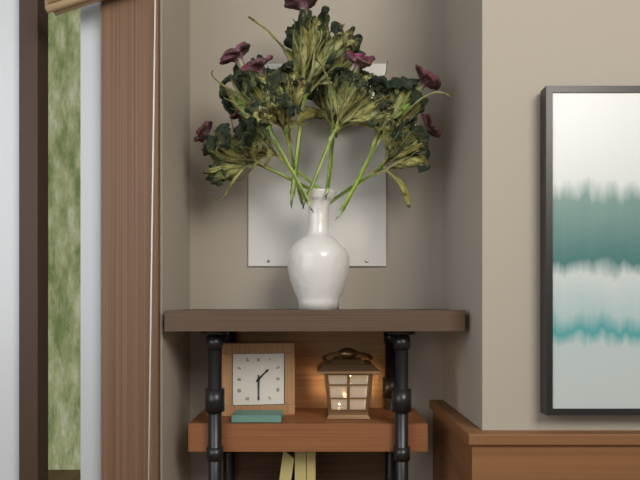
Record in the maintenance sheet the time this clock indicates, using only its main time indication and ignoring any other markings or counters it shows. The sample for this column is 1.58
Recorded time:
1.30
